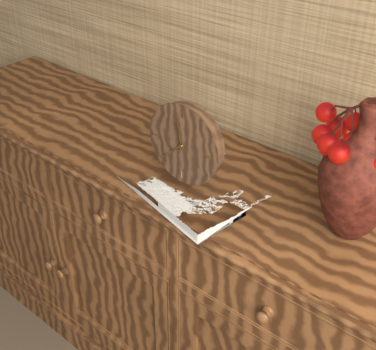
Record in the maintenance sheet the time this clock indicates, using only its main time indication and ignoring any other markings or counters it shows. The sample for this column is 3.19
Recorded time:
11.38
